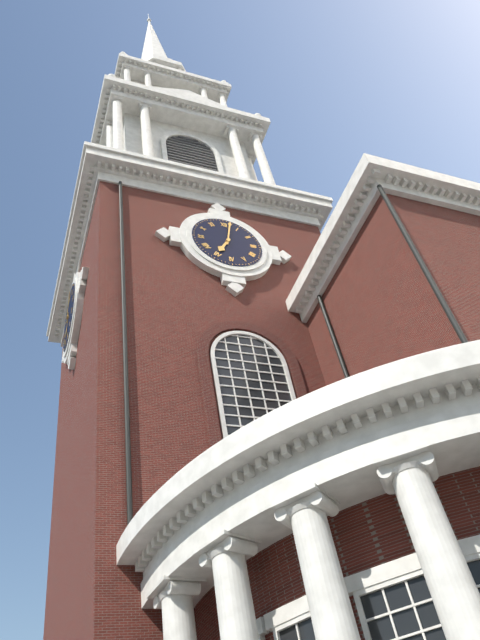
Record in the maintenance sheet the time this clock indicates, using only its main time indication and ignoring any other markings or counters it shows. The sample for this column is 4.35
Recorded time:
7.02
